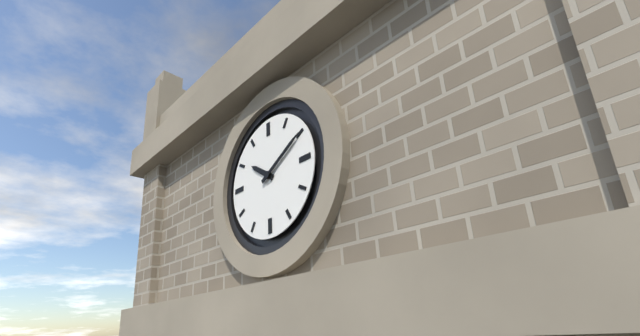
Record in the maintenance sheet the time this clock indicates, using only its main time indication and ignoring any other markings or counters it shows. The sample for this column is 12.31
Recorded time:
10.10
